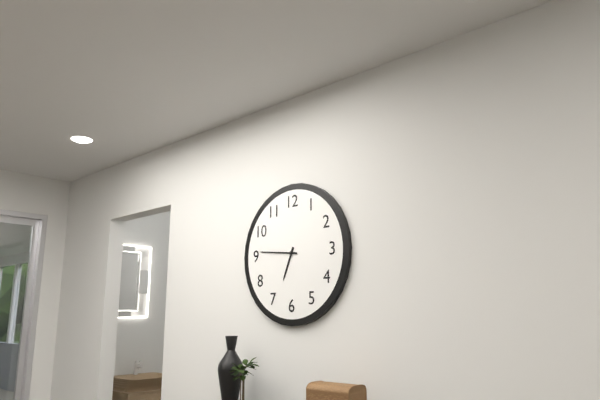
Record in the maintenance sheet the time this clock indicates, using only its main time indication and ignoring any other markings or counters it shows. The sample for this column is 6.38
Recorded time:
6.46
